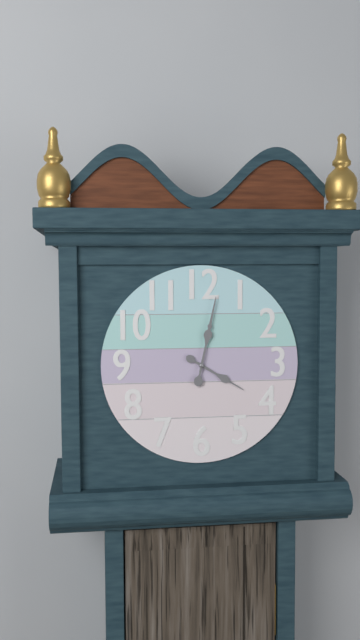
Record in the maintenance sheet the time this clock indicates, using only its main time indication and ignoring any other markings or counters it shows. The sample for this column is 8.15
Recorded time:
4.02
